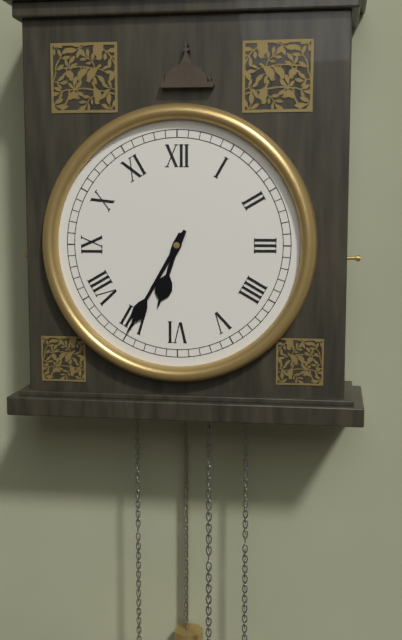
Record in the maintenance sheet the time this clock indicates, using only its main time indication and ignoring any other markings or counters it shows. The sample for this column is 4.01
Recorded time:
6.35
